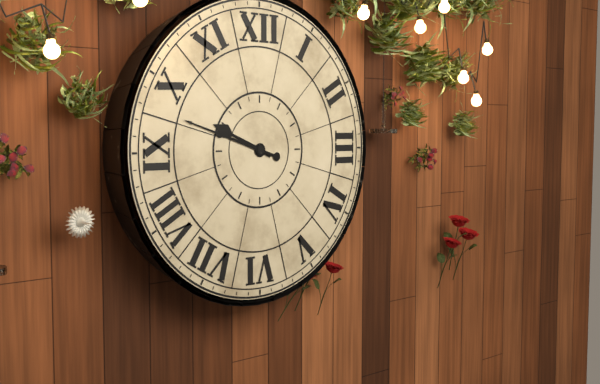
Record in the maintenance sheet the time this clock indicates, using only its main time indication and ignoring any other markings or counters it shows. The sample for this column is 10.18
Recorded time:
9.48
